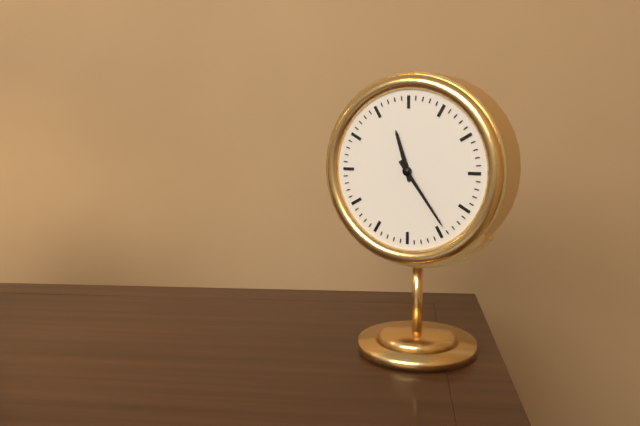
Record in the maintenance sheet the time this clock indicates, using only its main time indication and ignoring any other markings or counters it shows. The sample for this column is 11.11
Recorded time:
11.24
